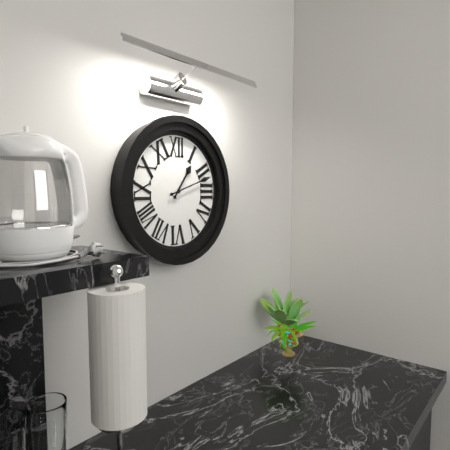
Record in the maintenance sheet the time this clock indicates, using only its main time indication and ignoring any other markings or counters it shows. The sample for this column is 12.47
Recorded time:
1.12
